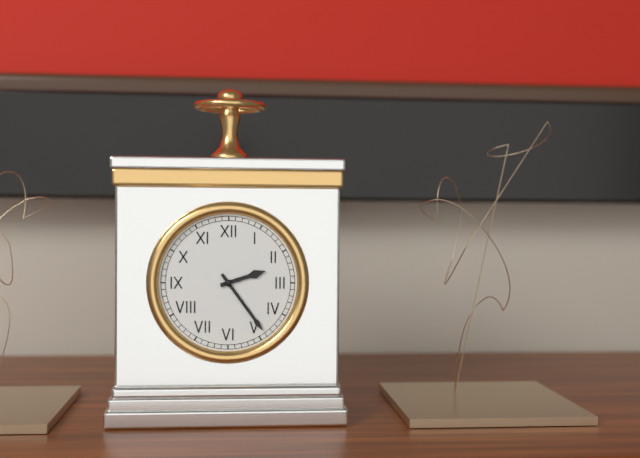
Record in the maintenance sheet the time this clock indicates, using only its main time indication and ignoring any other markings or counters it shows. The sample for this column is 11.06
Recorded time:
2.24
